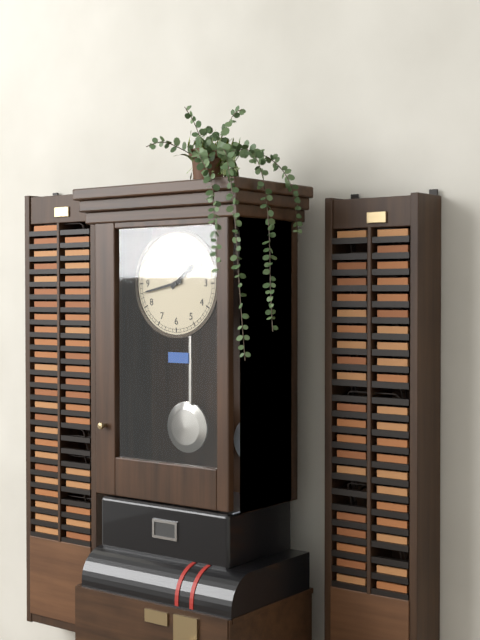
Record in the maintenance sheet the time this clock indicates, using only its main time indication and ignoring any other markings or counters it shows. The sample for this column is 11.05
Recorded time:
1.43
